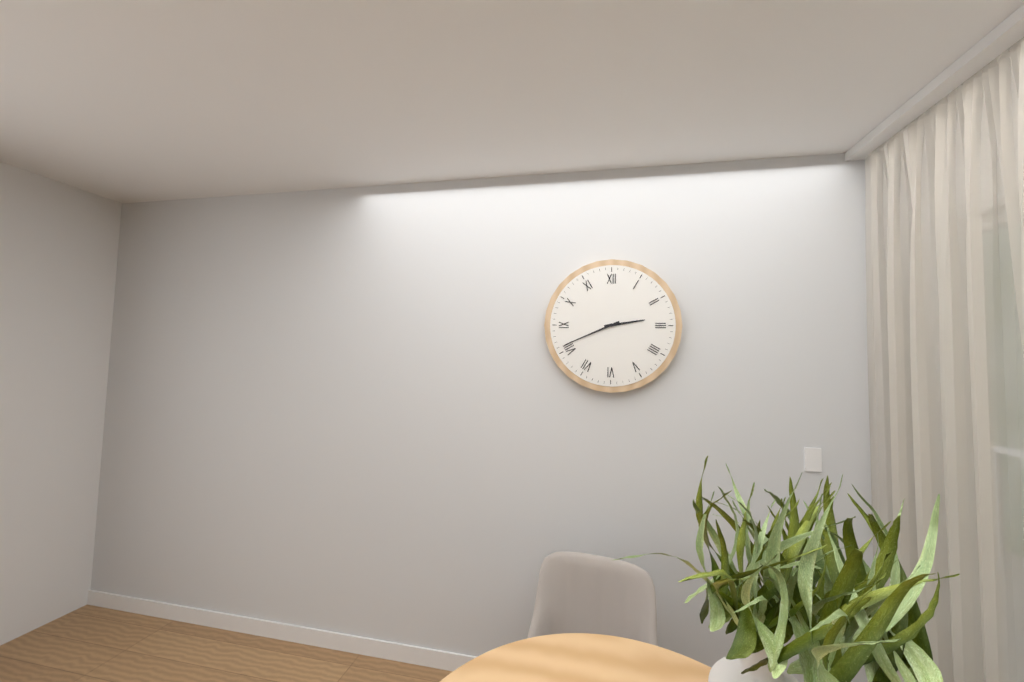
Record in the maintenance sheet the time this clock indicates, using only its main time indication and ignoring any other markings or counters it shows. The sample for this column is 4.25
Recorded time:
2.41
